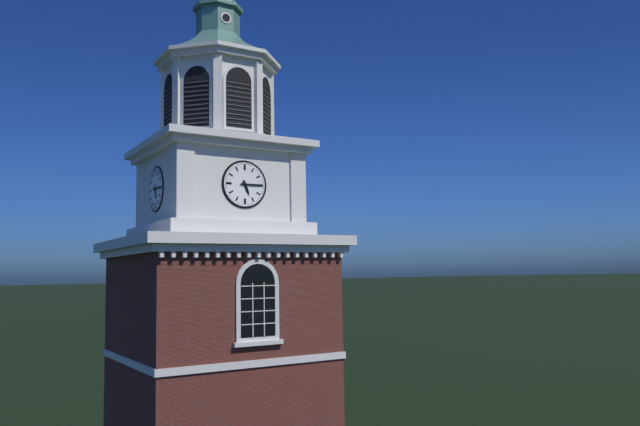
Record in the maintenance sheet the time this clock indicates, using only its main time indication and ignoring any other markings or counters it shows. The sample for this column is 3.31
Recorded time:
5.15
